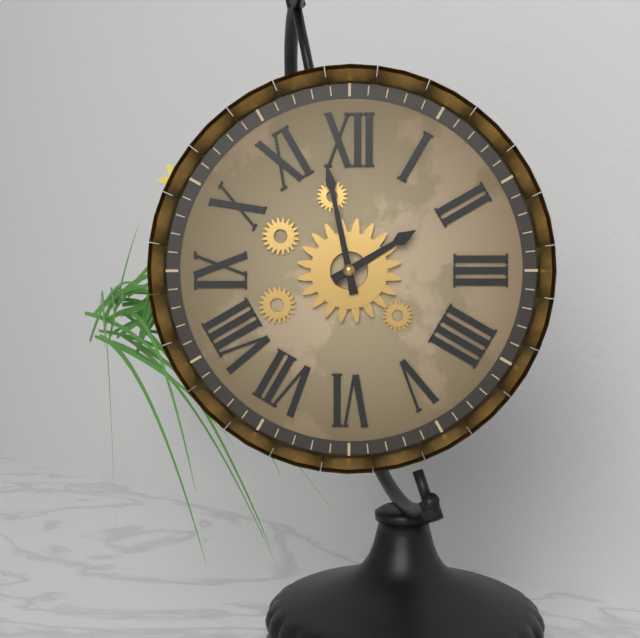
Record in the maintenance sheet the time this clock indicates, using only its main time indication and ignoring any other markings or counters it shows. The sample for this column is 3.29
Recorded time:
1.58
